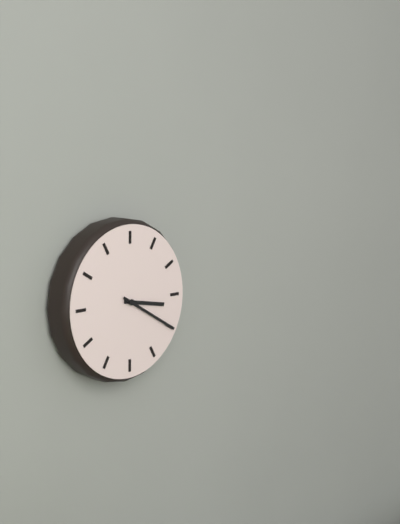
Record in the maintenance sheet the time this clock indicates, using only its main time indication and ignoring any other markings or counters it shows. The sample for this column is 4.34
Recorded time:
3.20
